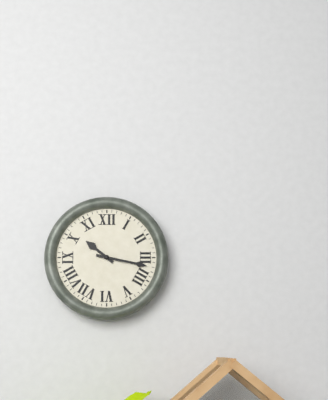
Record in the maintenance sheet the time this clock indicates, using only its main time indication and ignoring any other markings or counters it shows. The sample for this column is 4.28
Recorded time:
10.17
